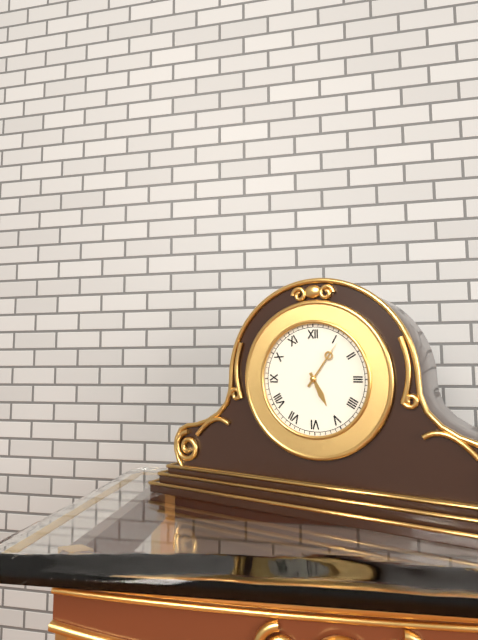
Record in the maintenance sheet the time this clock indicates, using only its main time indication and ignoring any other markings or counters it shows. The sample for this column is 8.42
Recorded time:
5.06
